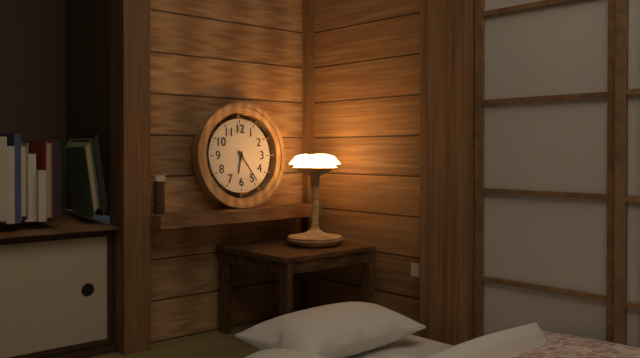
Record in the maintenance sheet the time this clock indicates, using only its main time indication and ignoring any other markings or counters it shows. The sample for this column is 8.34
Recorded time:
6.24
